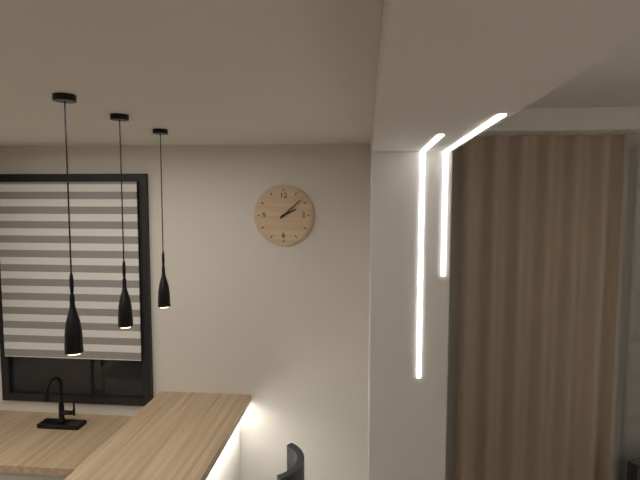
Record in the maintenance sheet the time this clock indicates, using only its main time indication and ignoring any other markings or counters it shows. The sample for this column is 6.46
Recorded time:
2.08
